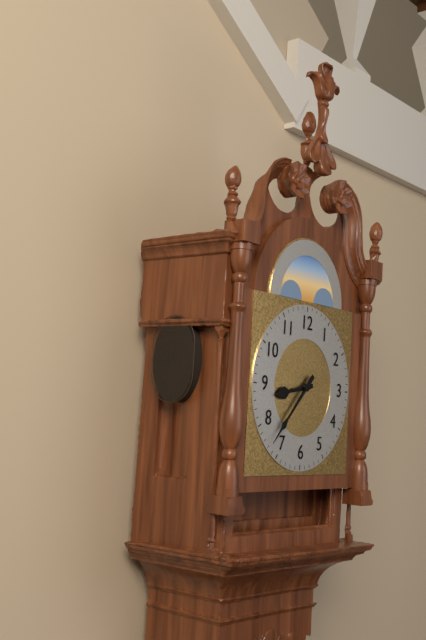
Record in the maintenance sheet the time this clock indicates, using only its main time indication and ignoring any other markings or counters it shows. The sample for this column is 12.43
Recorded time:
8.37
